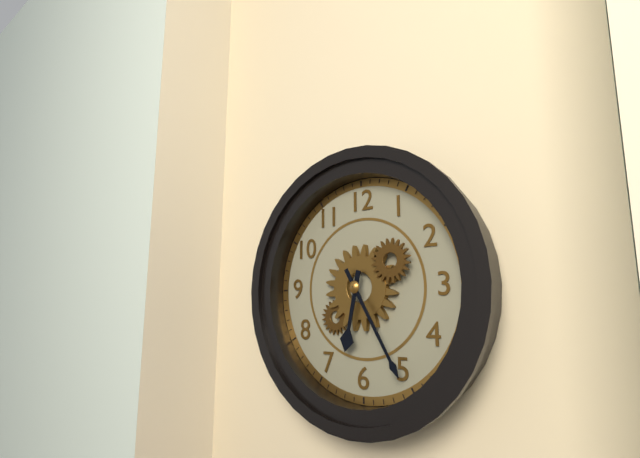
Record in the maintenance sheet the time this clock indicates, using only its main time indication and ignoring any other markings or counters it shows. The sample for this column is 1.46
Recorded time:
6.25
